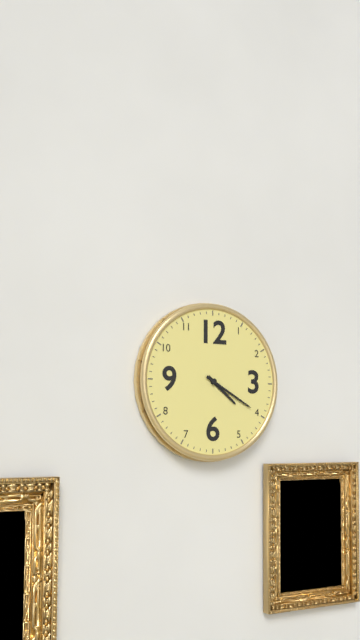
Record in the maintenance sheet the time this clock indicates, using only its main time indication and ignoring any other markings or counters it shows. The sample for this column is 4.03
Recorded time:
4.20
